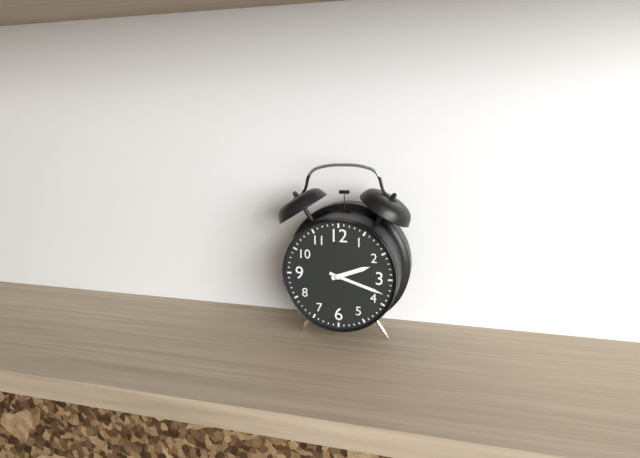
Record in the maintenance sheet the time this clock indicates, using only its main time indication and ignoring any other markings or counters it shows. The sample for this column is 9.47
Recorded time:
2.18
